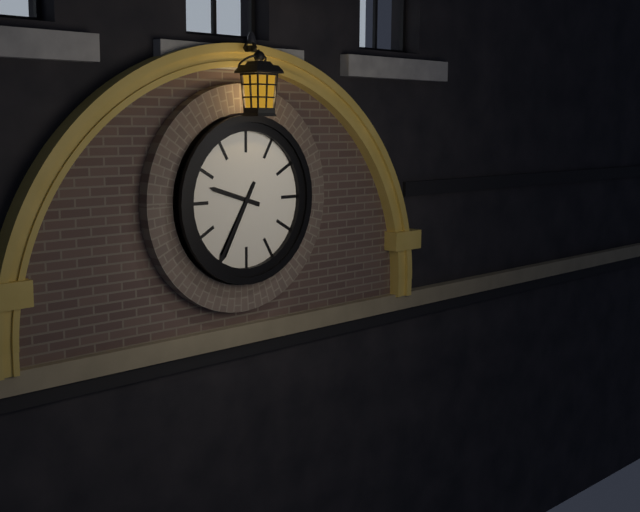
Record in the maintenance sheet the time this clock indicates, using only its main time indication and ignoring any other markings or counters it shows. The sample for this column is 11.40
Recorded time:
9.35
